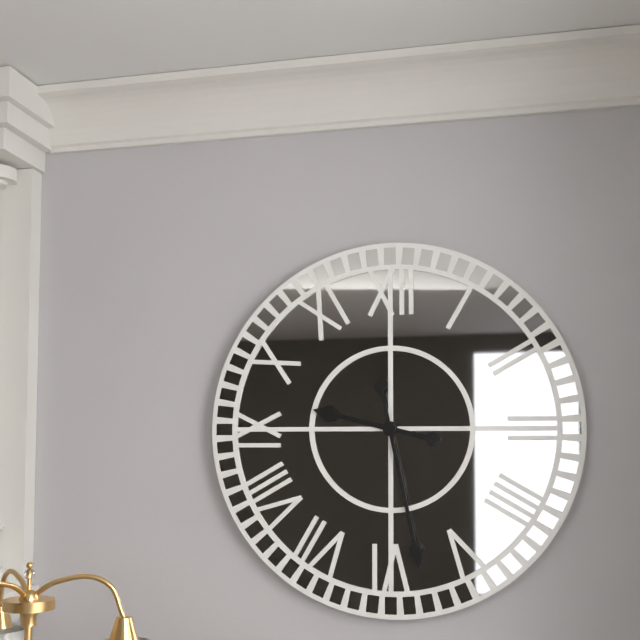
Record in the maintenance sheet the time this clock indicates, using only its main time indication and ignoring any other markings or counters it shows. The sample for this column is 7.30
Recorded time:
9.28
